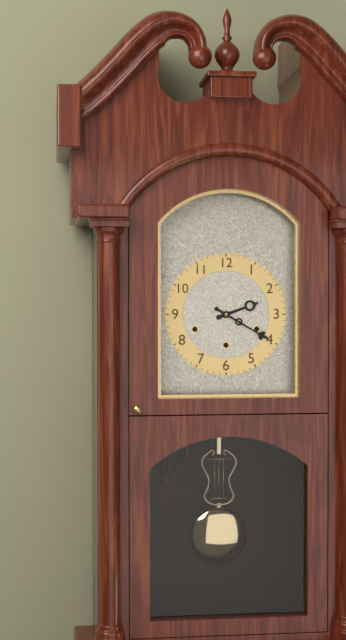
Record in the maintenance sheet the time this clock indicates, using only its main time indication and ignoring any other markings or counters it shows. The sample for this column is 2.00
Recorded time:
2.20
